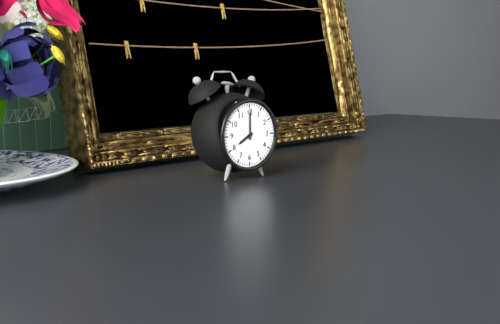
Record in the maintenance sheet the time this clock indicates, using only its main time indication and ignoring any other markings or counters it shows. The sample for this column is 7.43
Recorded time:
8.00
